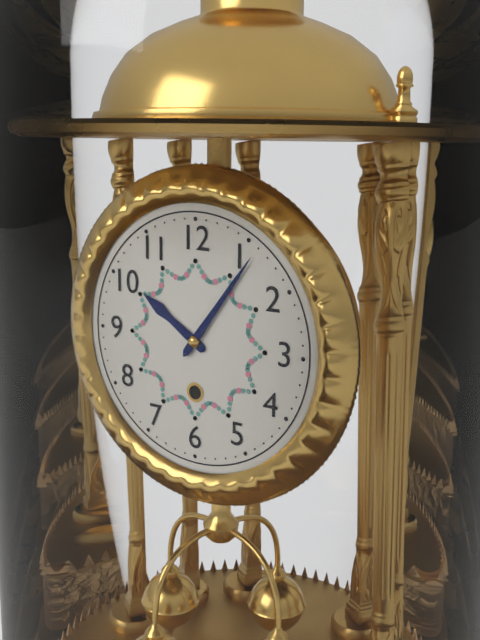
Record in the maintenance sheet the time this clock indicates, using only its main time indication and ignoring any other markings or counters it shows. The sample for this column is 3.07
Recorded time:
10.06
